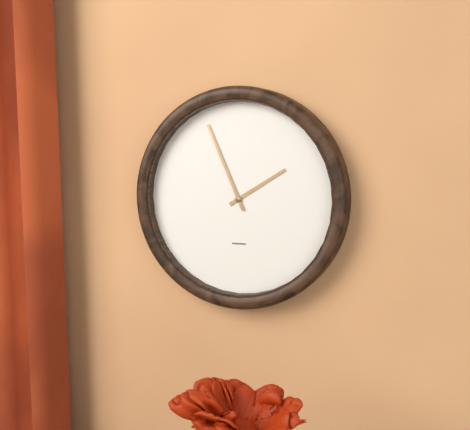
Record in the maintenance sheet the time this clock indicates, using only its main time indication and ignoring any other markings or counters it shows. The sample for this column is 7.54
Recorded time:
1.56
